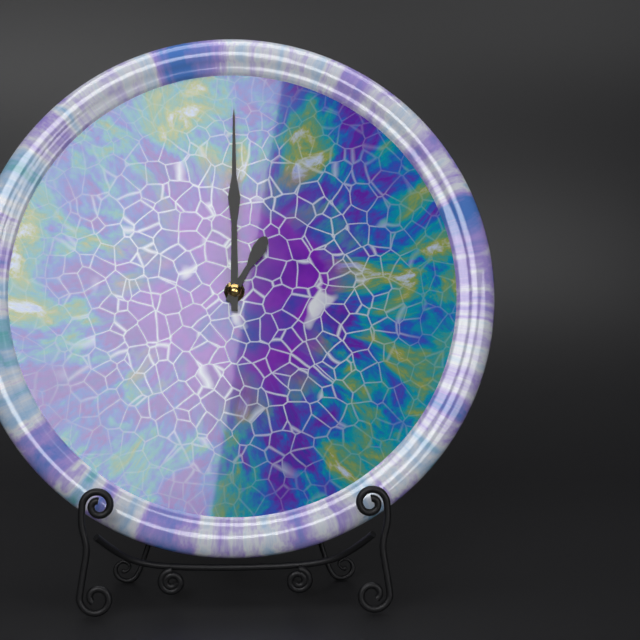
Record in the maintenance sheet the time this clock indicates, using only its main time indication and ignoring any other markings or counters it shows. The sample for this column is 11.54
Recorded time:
1.00
